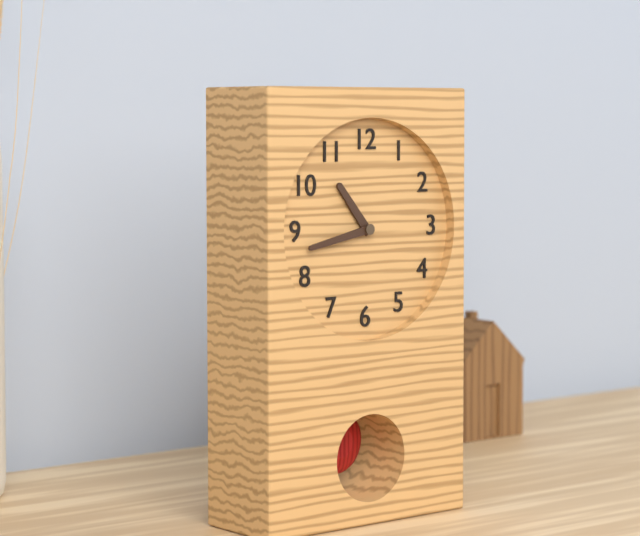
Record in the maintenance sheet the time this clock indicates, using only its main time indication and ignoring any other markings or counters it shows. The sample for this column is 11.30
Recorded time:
10.43
